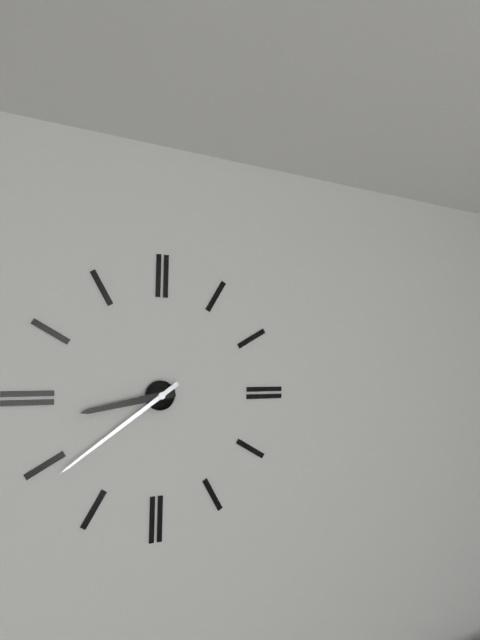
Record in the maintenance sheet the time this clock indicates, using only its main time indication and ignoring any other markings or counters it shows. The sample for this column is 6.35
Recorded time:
8.39
